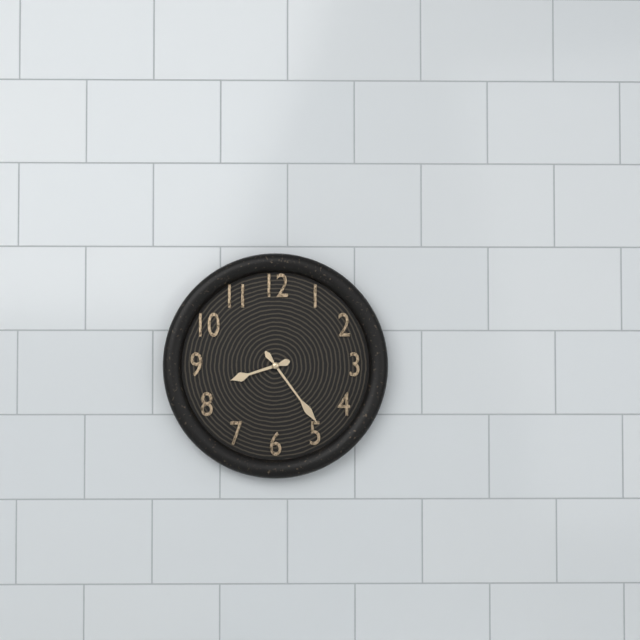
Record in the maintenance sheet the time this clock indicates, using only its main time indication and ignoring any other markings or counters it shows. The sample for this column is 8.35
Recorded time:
8.24
